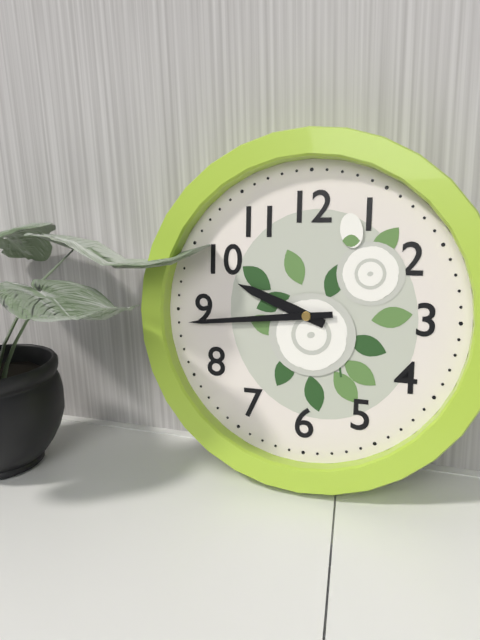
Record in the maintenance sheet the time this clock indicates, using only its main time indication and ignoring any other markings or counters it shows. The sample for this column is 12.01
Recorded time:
9.44
